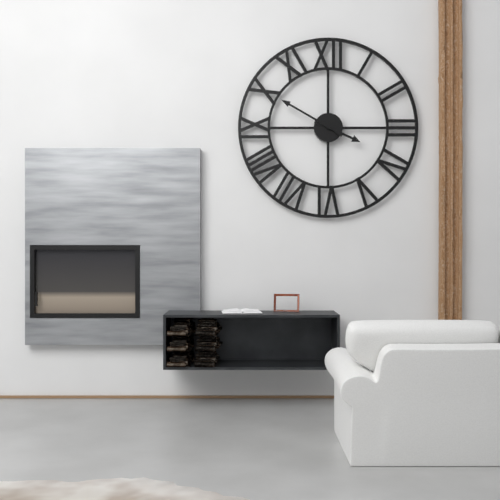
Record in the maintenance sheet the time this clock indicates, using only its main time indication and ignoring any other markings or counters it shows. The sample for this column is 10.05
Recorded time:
3.50
